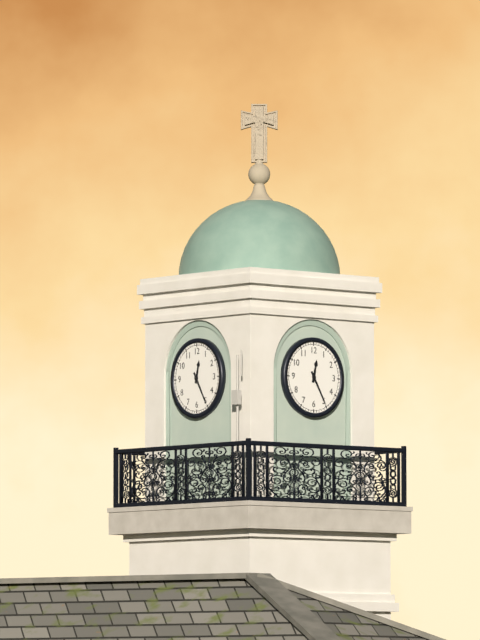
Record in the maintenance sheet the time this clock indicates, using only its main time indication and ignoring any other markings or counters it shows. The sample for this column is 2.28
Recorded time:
12.25
